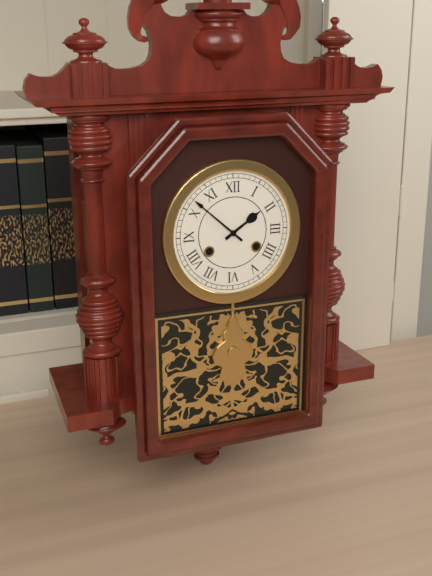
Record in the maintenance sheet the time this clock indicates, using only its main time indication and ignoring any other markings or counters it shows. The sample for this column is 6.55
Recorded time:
1.52
